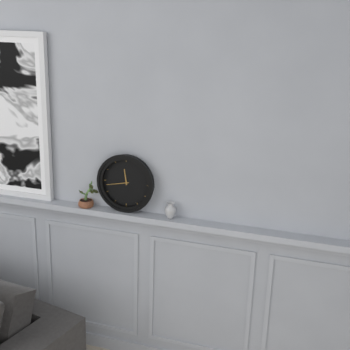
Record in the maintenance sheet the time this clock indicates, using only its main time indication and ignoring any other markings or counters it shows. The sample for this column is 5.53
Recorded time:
11.43
